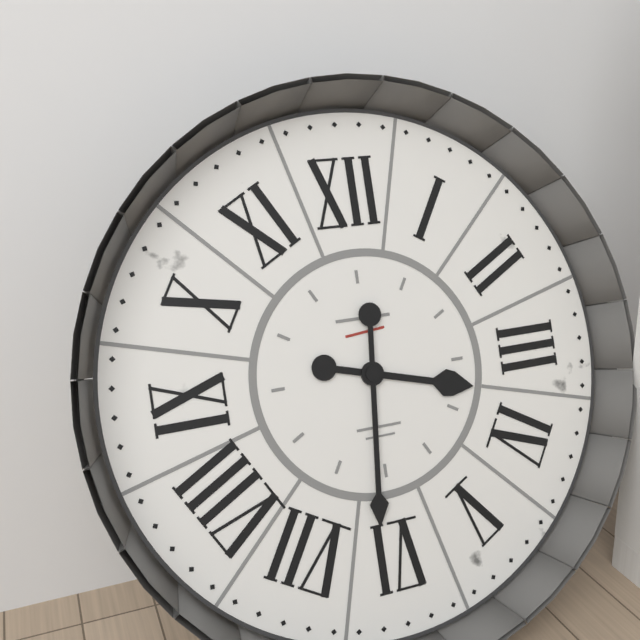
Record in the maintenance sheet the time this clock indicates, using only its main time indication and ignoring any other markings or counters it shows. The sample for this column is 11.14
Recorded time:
3.31
